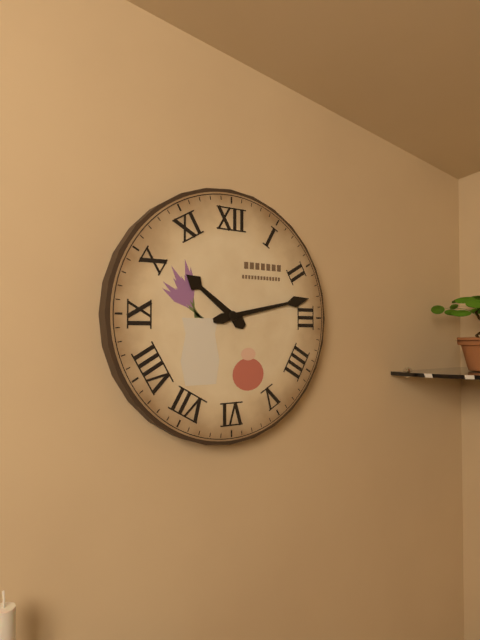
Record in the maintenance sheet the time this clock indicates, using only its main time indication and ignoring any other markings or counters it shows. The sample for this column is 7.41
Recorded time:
10.13
